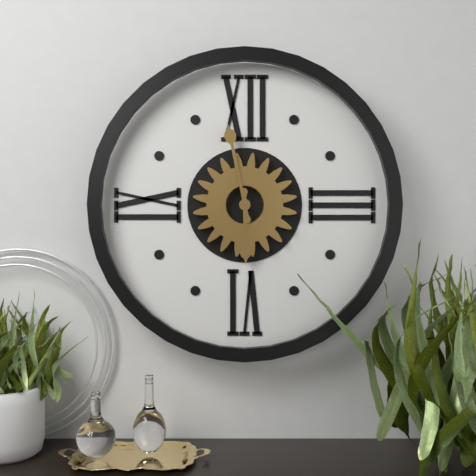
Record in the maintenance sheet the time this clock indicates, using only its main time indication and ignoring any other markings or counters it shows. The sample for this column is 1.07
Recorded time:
5.58
